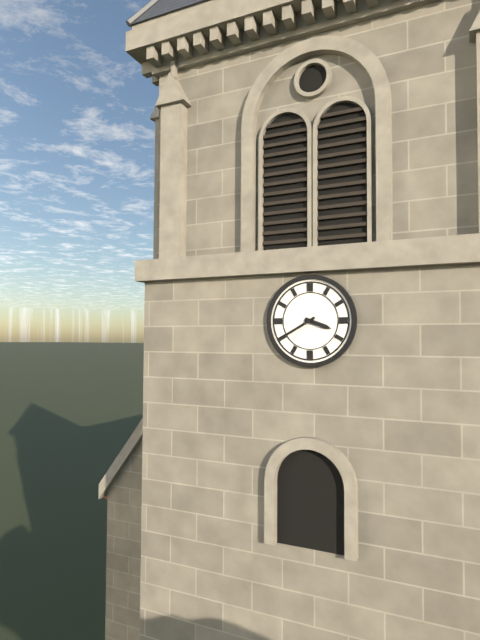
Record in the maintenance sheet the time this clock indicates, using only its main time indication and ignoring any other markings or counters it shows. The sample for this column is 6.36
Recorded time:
3.40
